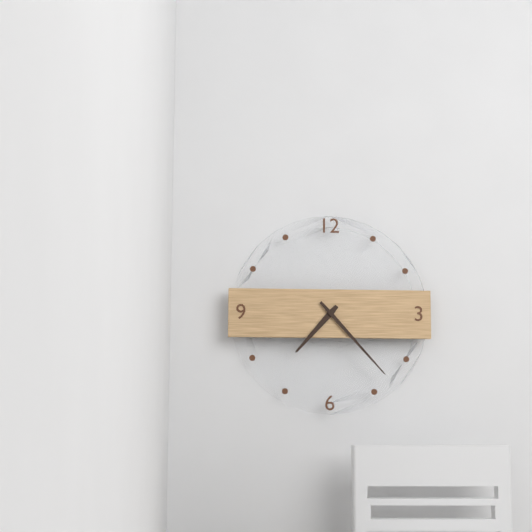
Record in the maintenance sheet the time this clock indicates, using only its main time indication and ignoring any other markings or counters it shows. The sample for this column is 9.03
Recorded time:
7.23
